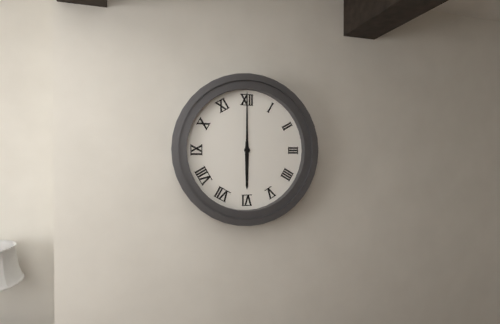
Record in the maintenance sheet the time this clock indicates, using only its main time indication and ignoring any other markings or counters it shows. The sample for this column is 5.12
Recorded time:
6.00
